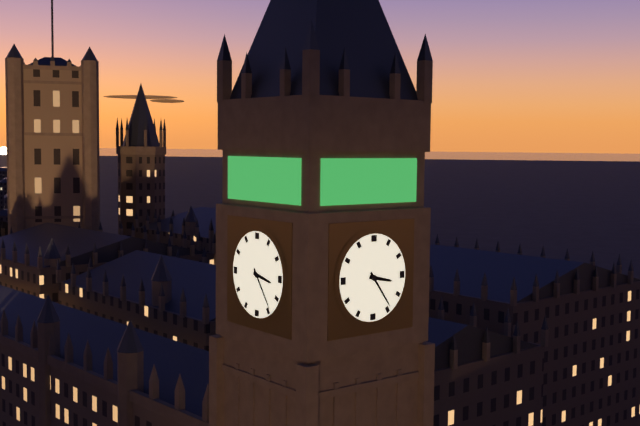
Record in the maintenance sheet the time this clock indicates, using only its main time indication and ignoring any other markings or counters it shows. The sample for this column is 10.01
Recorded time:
3.24
